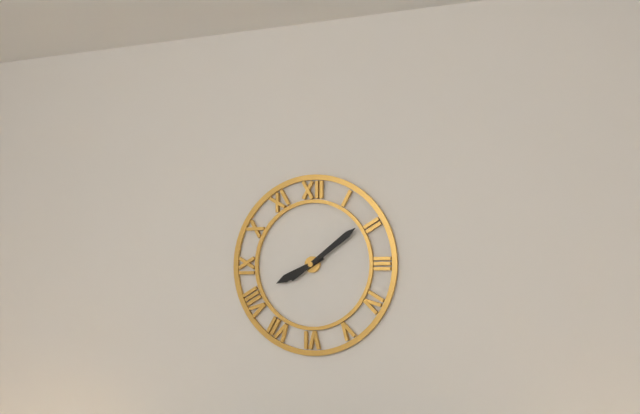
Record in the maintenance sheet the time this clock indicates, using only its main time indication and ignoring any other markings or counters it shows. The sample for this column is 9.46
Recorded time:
8.09
